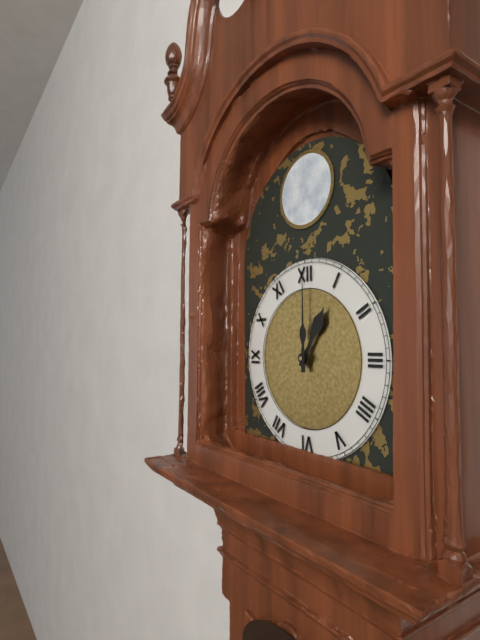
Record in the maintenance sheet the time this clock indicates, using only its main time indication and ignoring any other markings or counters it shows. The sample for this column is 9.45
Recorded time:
1.00
